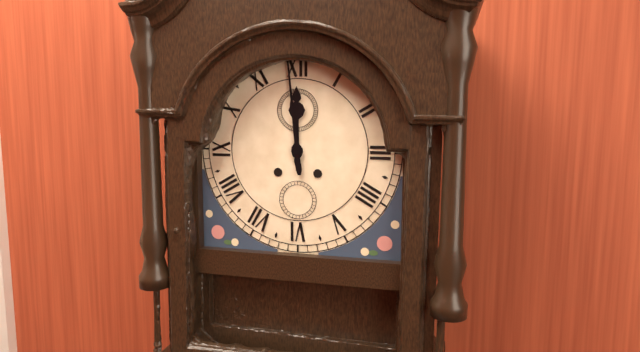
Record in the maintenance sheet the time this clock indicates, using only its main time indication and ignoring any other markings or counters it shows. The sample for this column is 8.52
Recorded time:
11.59
